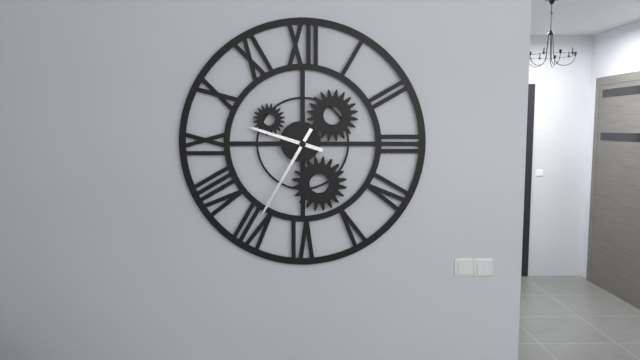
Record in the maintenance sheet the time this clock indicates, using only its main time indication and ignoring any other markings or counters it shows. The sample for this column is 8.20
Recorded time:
9.35
